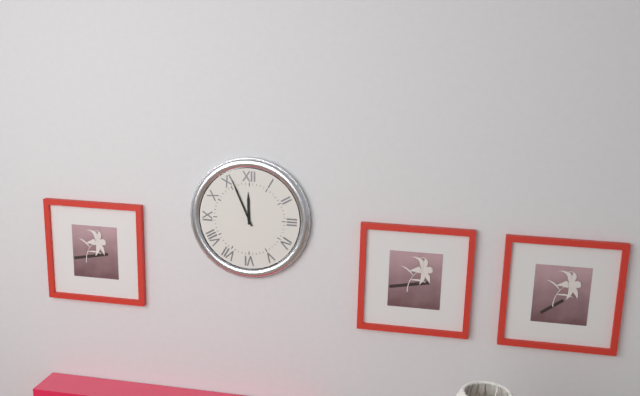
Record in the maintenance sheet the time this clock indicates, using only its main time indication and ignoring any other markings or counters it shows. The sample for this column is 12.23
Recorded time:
11.56
